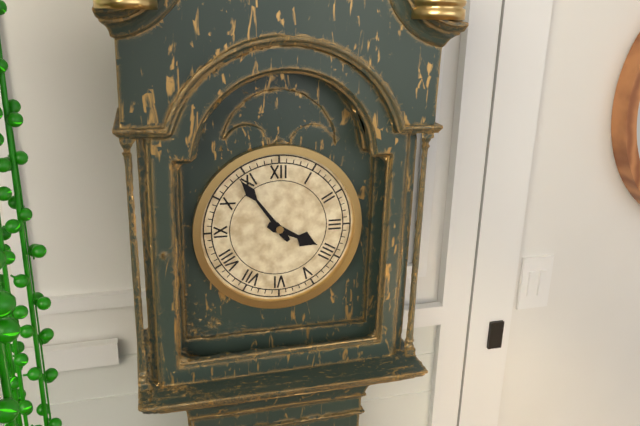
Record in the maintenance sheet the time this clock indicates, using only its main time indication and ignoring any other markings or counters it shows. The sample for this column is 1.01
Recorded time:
3.54
